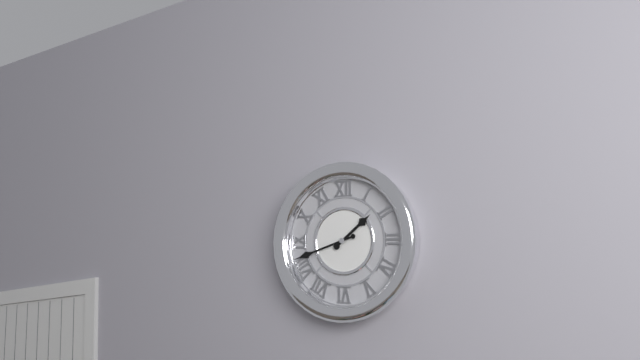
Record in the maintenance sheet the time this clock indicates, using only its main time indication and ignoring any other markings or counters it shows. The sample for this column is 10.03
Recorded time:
1.42
